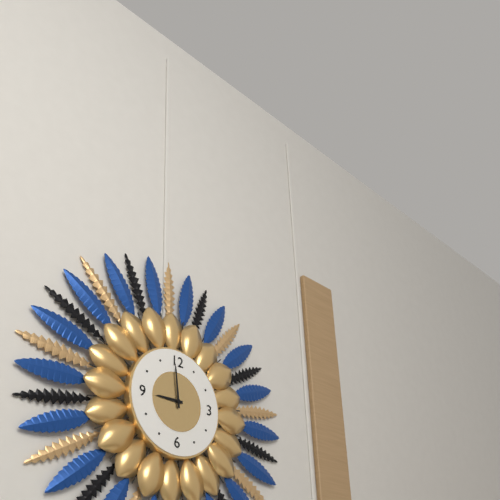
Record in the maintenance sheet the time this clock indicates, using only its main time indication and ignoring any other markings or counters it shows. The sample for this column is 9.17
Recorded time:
8.59
